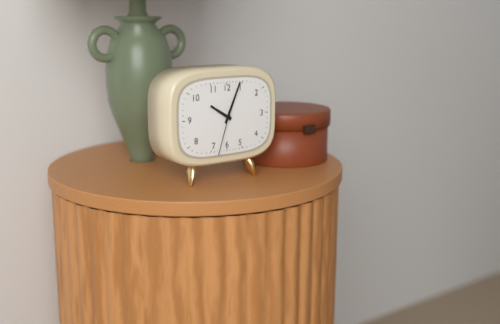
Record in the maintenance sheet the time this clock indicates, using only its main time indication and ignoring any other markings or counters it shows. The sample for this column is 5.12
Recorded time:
10.04
